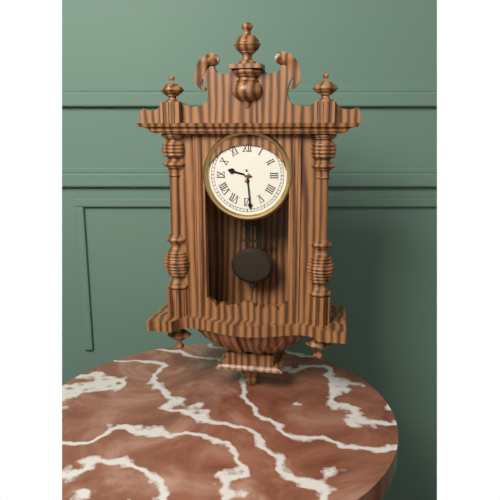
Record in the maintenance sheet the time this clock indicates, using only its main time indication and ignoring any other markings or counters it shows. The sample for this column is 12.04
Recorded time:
9.29
